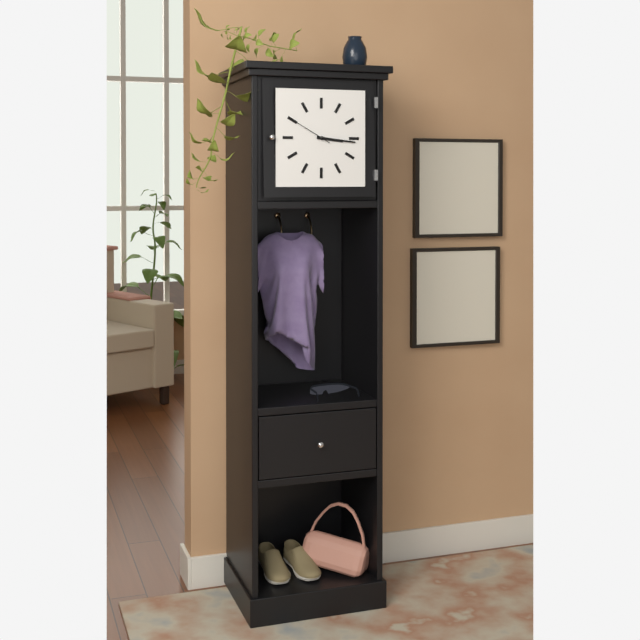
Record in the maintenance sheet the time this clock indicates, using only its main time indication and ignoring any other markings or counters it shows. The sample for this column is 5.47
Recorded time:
3.16
